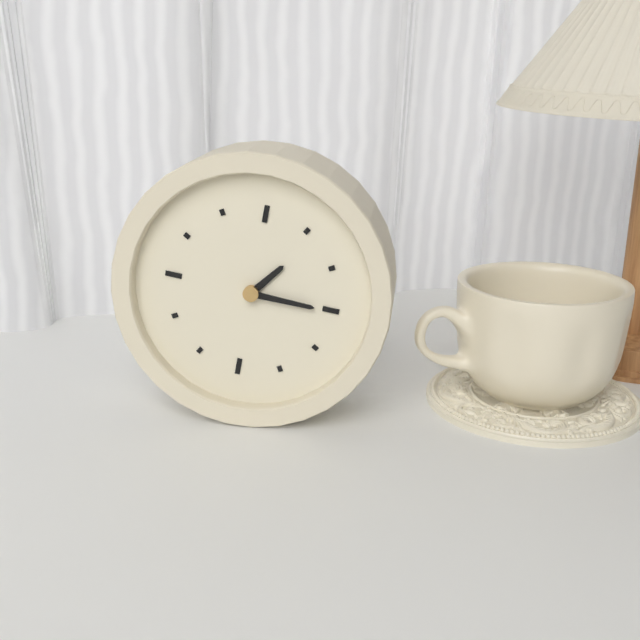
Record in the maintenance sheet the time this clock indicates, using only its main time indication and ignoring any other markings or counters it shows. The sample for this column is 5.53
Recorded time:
1.15
